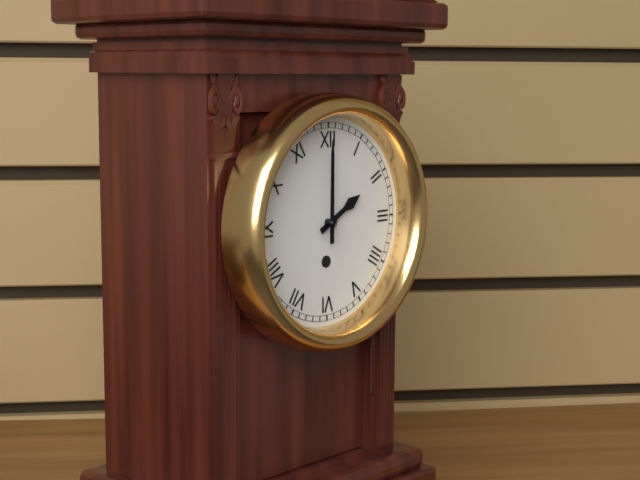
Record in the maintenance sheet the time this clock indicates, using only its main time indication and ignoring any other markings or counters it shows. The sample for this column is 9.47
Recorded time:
2.00
